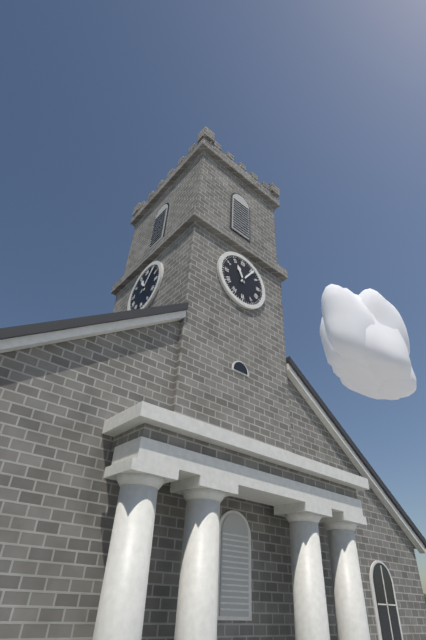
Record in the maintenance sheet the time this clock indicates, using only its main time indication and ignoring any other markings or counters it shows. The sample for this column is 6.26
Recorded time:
11.06
